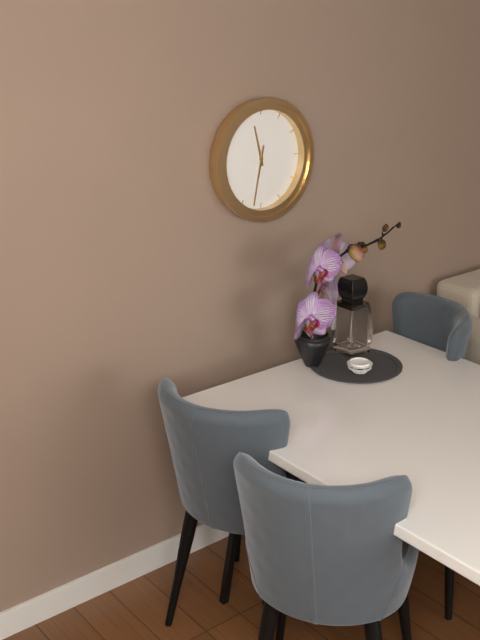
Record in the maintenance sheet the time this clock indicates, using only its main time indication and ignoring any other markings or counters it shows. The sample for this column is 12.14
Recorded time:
11.32
